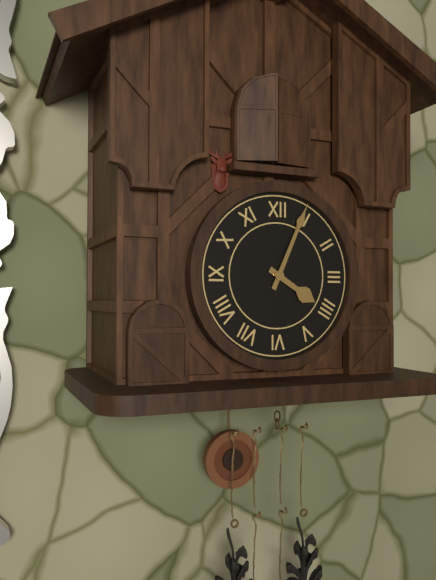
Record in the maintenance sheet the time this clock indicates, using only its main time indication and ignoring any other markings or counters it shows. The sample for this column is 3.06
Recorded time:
4.04
